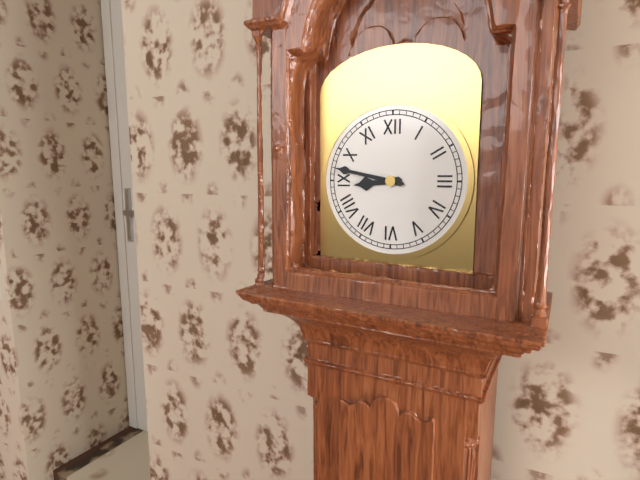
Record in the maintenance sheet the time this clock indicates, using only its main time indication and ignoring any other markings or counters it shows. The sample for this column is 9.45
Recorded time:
8.47
